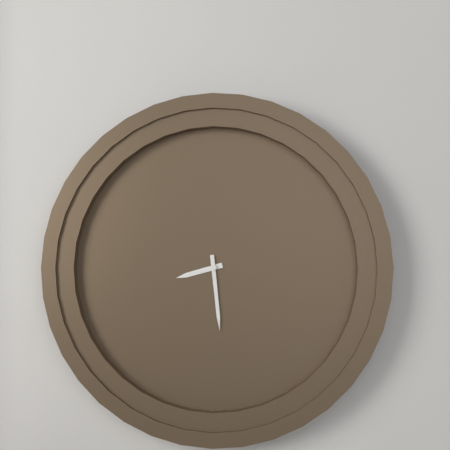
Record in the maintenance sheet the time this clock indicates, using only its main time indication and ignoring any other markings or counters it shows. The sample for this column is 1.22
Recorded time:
8.29
